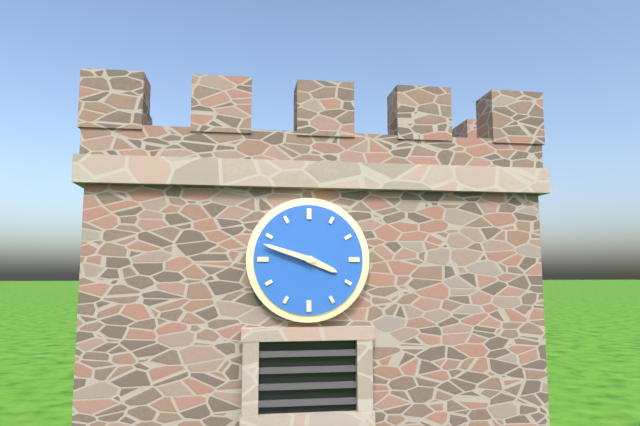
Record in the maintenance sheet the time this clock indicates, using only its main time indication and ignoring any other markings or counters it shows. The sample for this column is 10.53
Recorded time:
3.48
